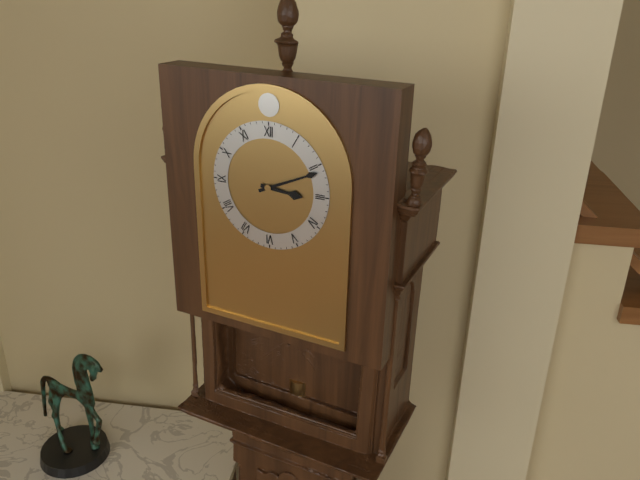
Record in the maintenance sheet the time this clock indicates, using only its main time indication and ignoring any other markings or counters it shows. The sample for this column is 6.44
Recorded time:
3.11
